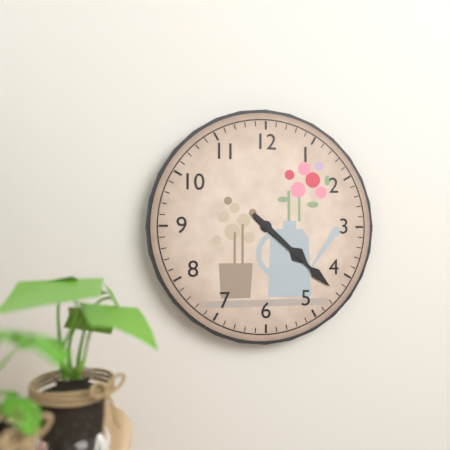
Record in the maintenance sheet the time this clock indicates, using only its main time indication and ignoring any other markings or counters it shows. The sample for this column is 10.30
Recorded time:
4.22
